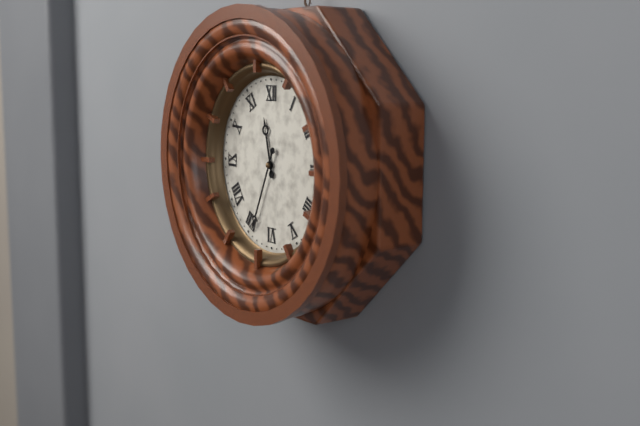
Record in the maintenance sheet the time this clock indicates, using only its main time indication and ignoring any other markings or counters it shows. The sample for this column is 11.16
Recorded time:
11.34
